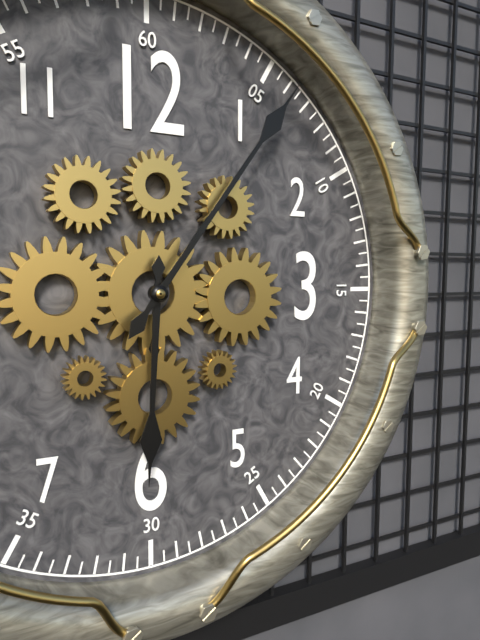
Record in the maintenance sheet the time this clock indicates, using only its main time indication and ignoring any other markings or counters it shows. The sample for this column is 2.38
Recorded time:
6.06
